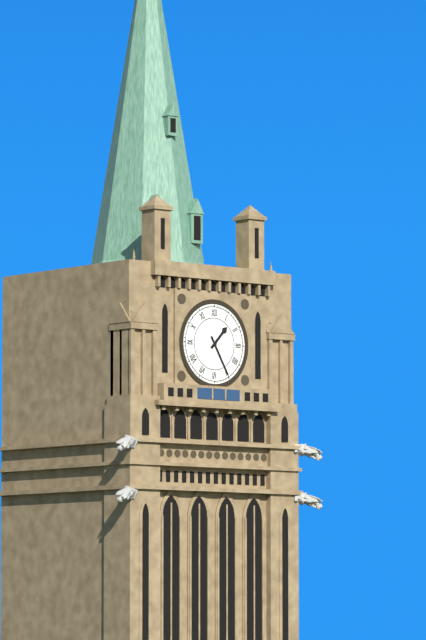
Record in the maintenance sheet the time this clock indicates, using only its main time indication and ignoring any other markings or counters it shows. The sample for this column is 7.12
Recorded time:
1.25
